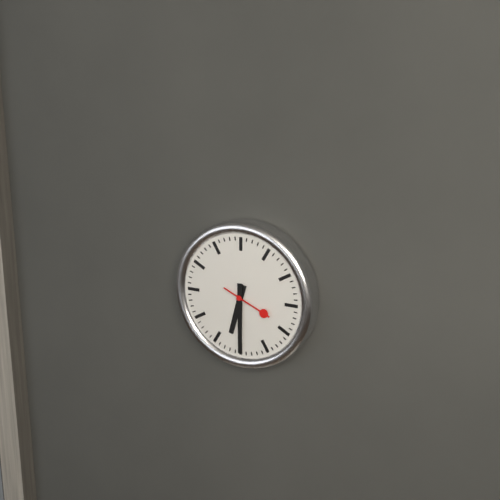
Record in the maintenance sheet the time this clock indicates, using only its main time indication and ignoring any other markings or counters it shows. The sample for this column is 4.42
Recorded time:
6.30
